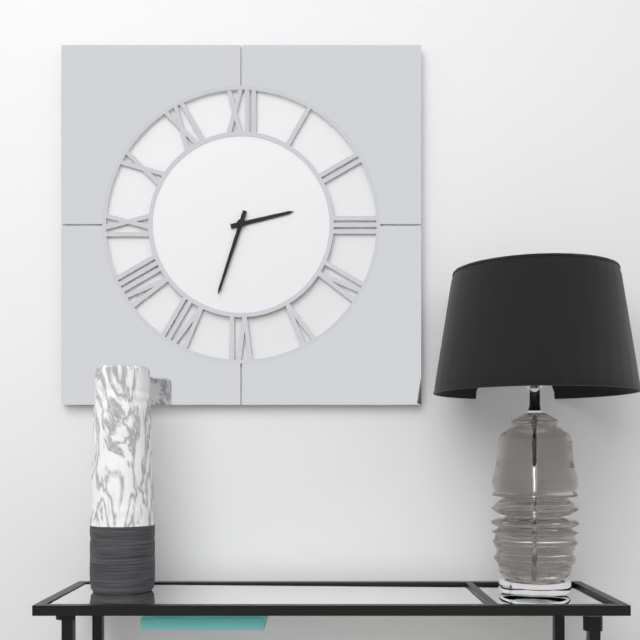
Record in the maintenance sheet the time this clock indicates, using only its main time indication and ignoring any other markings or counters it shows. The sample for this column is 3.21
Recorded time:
2.33
